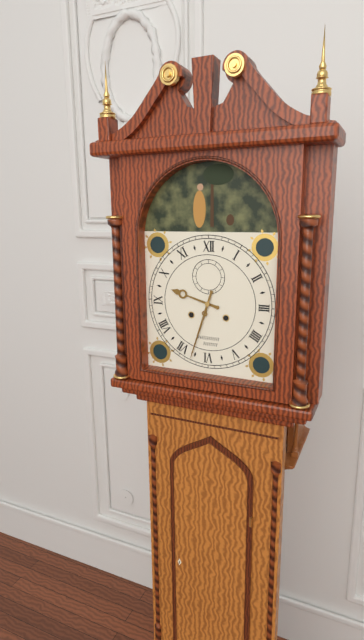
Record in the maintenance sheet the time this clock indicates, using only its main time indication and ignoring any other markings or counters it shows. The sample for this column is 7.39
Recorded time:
9.33
